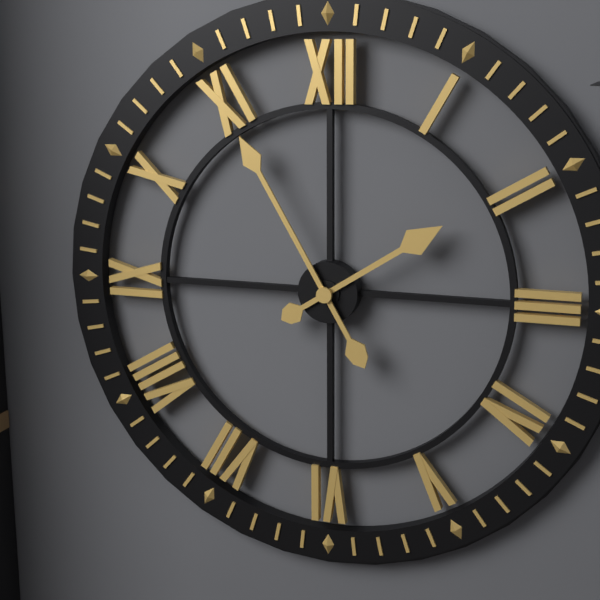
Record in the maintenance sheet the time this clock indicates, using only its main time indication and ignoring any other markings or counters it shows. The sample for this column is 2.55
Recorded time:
1.55
